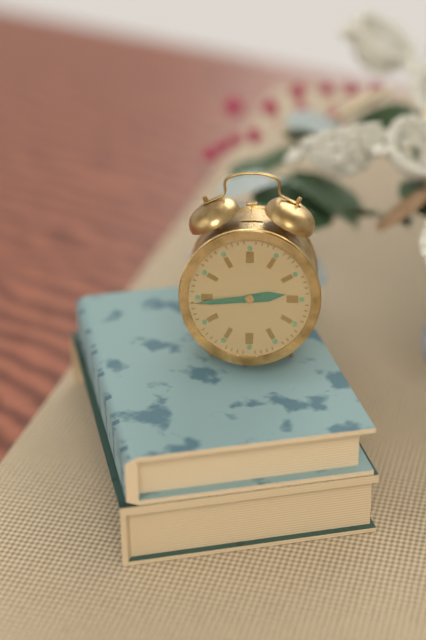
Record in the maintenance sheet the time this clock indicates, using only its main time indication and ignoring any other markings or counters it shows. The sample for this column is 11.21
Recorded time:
2.44
